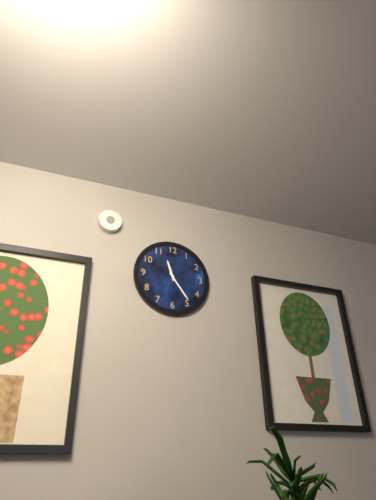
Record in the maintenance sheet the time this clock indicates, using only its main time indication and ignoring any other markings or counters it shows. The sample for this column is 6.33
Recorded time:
11.24
